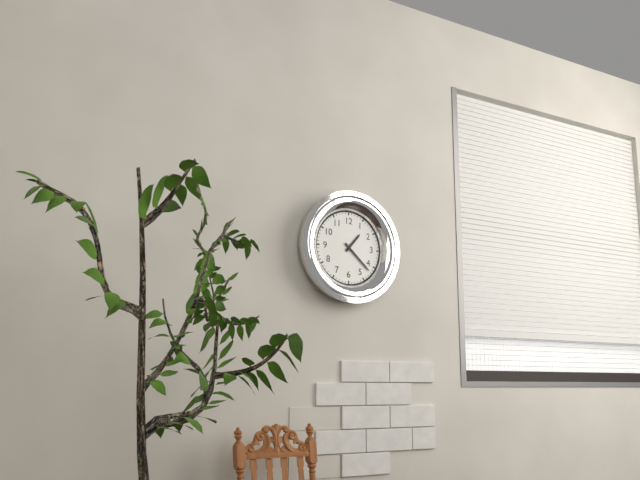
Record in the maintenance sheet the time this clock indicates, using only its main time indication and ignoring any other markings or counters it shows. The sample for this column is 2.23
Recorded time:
1.22
